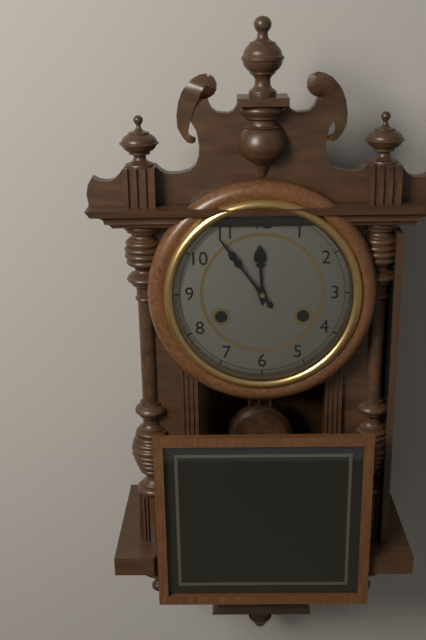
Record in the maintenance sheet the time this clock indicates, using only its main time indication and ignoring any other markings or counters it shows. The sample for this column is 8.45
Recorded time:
11.54
